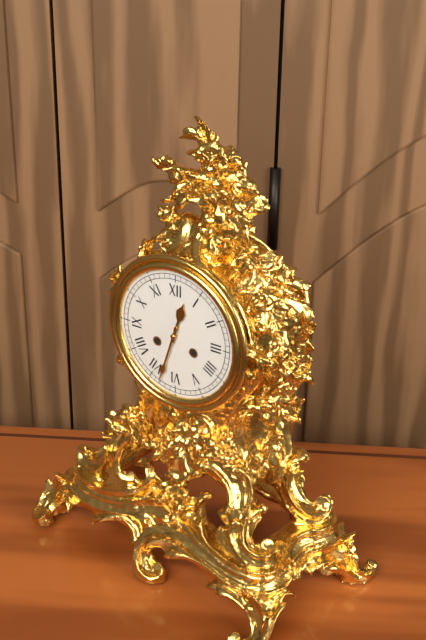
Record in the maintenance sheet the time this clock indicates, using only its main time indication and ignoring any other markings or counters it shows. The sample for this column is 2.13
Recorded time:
12.33
